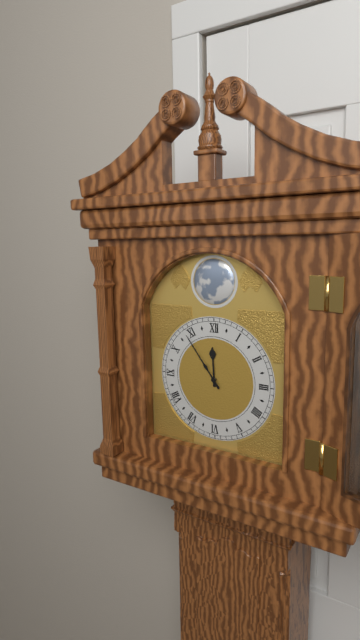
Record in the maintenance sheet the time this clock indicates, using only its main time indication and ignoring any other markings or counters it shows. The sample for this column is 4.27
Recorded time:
11.54
